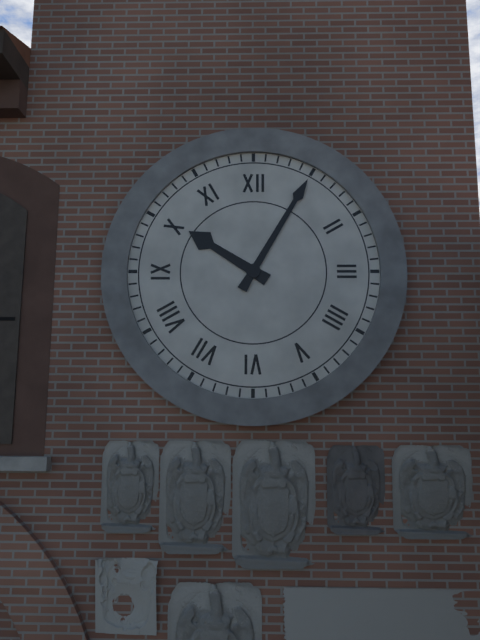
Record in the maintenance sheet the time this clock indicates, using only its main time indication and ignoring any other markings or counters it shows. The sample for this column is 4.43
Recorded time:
10.05
